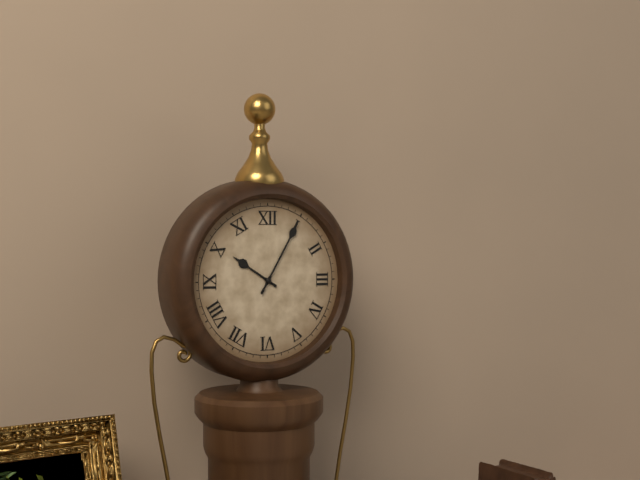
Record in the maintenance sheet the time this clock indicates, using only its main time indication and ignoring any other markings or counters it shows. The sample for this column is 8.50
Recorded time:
10.05
